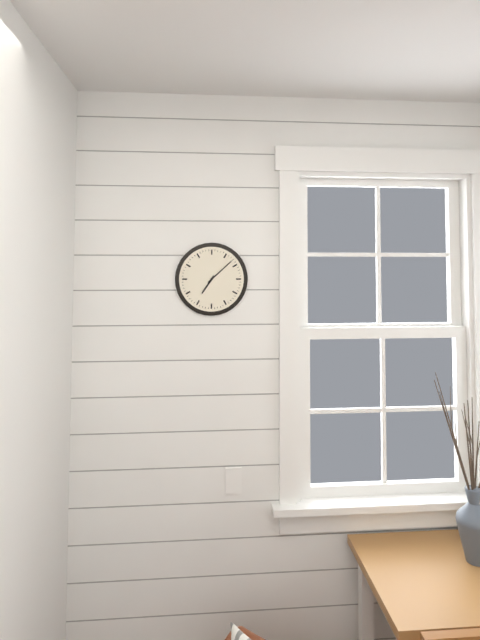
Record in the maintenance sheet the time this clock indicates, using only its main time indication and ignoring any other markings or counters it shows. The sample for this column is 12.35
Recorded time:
7.08
